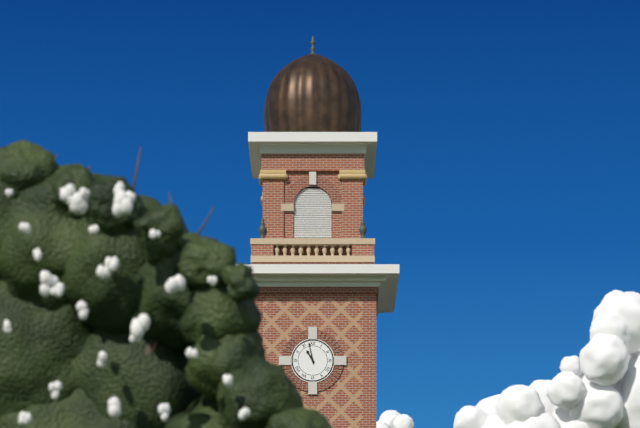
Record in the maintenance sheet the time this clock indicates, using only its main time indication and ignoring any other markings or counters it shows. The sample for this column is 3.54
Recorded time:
10.58
